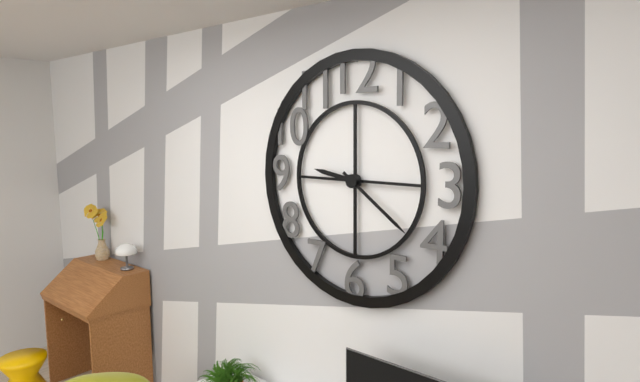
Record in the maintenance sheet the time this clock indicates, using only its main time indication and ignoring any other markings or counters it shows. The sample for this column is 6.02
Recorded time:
9.21
